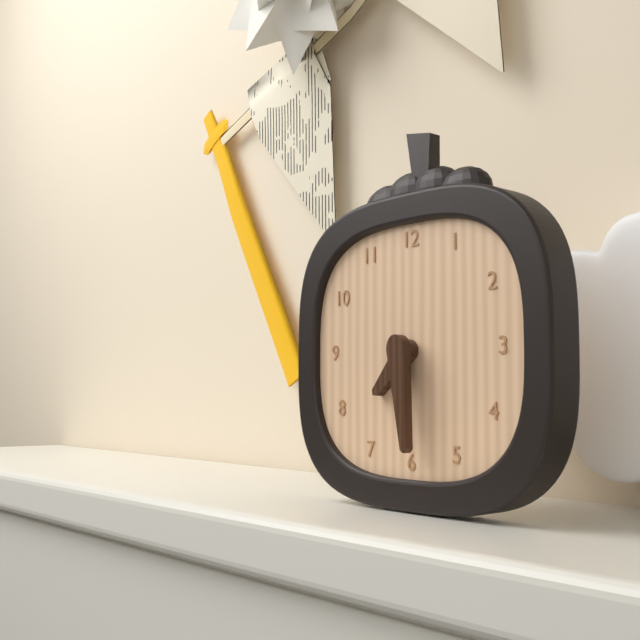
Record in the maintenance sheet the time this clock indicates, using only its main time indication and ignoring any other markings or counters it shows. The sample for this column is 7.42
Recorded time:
7.29
